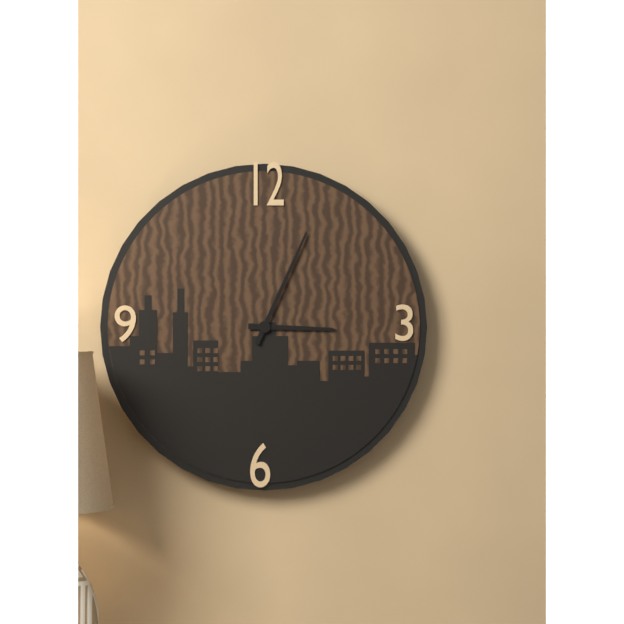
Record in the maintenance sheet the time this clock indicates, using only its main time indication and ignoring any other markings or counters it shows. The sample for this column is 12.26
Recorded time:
3.04
